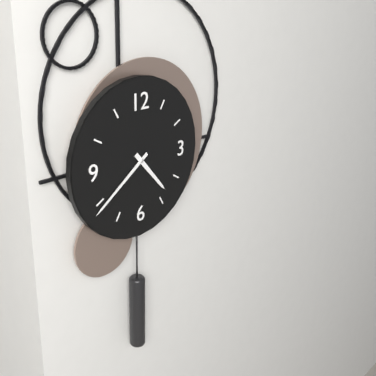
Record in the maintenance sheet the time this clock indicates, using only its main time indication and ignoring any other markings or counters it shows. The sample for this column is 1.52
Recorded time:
4.39
